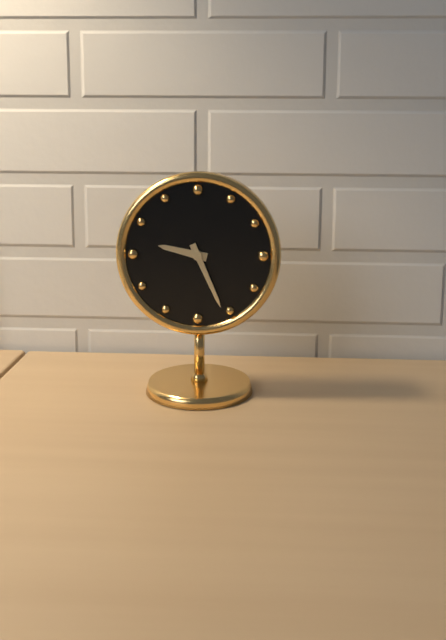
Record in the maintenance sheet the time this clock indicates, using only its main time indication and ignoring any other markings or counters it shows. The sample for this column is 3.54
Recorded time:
9.26
